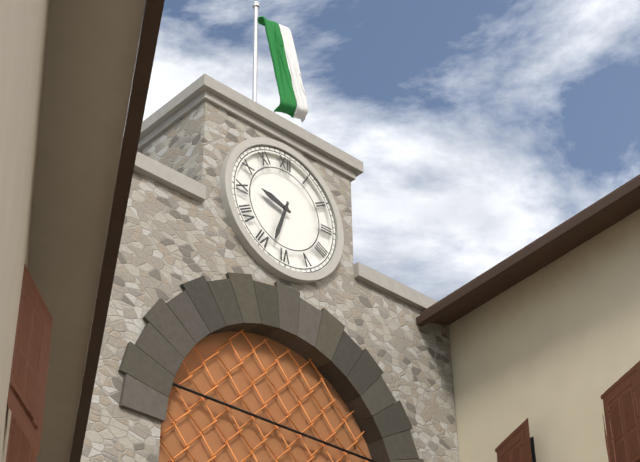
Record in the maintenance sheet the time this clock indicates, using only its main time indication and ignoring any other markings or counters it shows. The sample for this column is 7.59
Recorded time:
9.33
